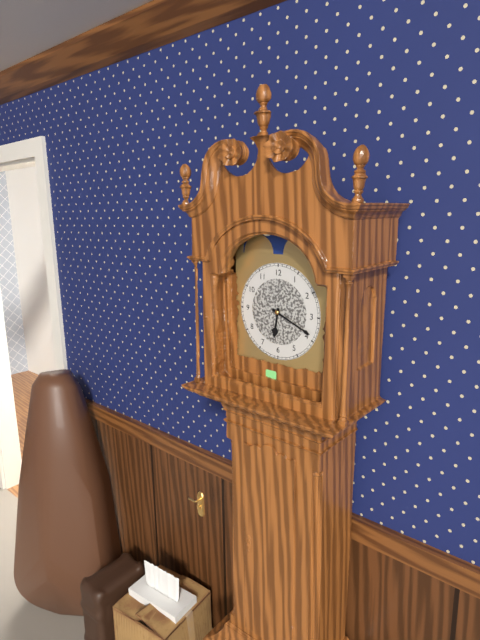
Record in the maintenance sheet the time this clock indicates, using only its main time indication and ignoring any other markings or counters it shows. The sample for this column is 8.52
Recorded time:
6.19
